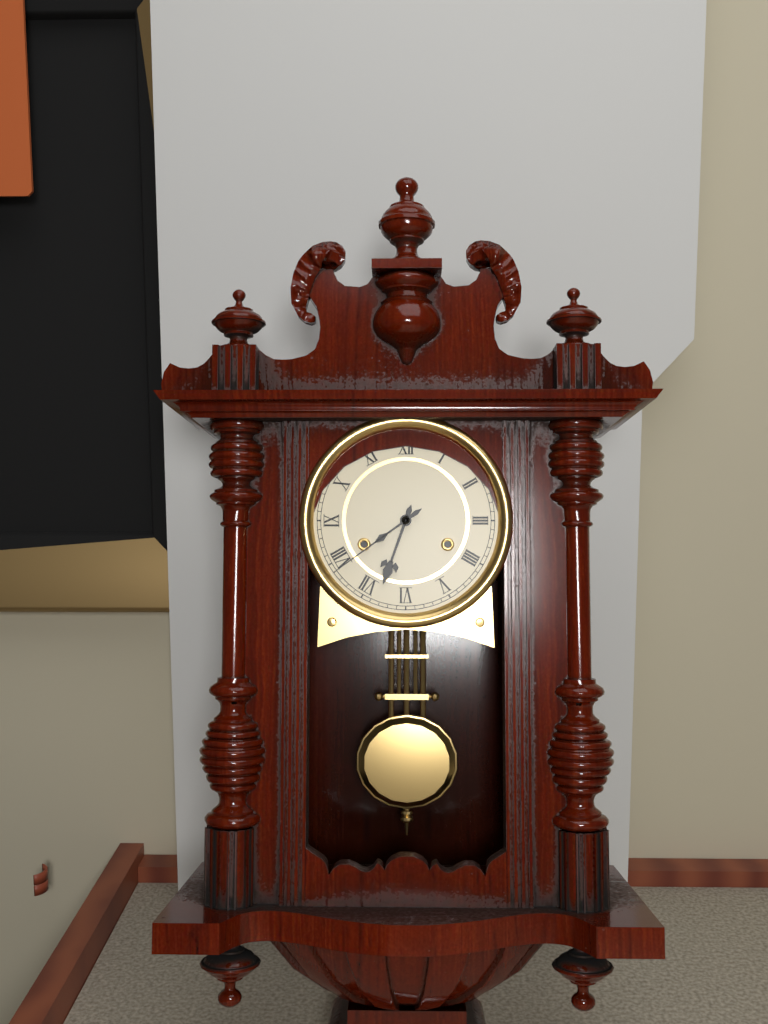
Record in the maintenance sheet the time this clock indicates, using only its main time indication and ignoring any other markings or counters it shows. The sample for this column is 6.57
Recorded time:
6.39
